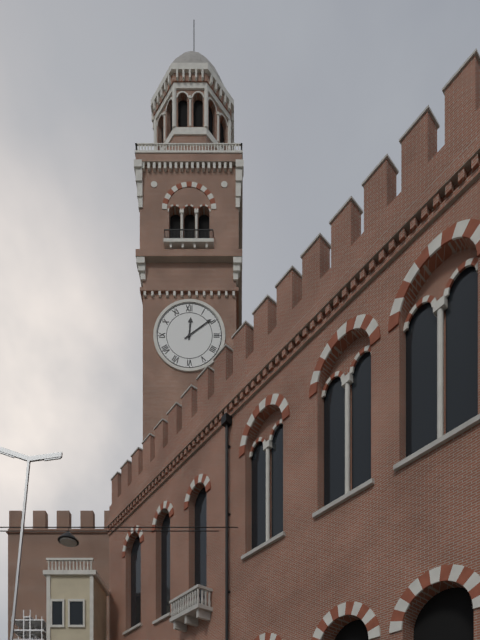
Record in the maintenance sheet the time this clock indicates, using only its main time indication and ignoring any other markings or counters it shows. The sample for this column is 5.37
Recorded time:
12.09
